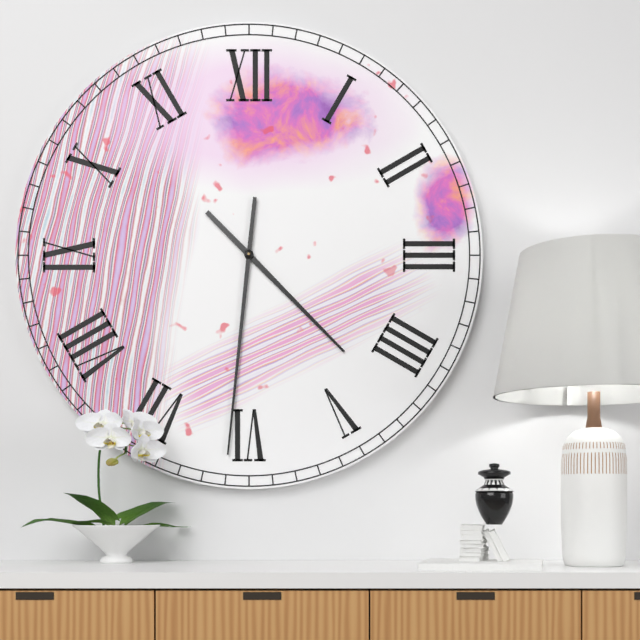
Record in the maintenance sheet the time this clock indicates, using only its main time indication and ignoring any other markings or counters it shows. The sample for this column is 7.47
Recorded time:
4.31
